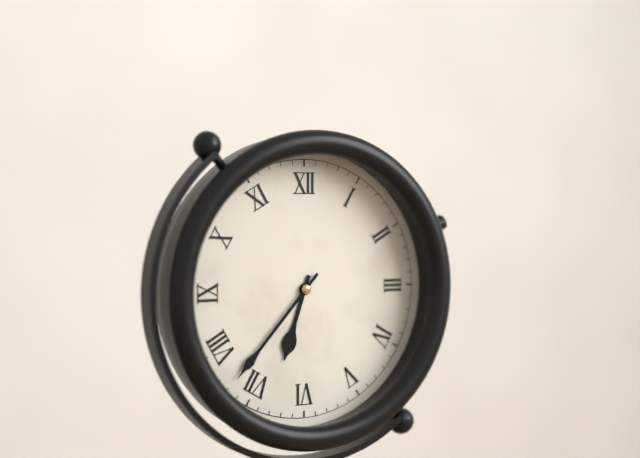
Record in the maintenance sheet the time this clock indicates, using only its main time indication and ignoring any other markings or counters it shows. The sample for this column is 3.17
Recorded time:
6.37
